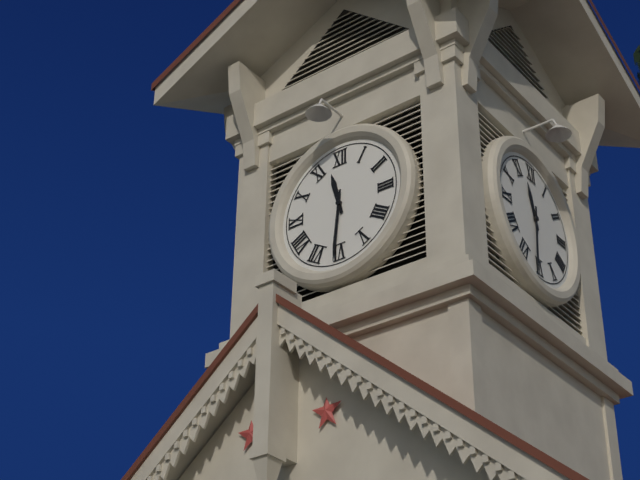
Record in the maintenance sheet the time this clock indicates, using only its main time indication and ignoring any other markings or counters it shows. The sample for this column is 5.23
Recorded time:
11.31
